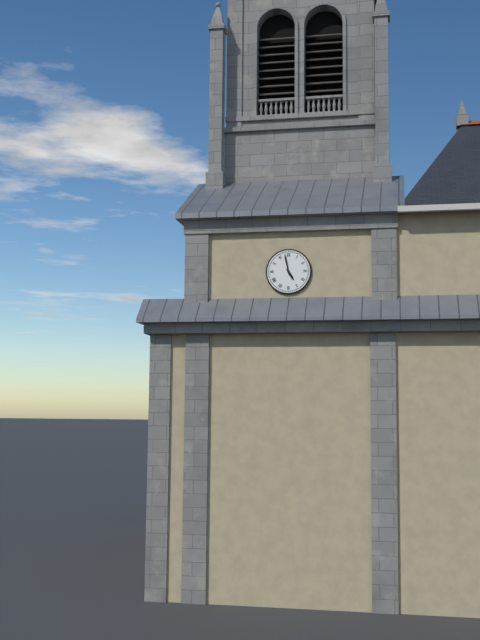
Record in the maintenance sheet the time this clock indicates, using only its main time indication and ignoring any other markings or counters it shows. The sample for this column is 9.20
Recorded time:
4.58
